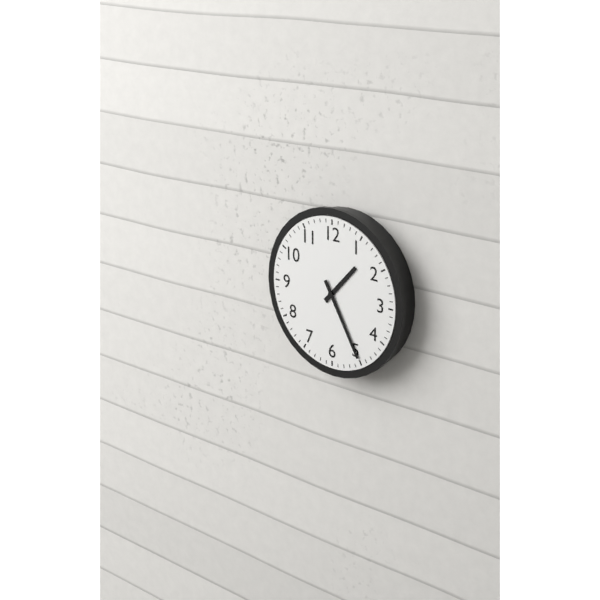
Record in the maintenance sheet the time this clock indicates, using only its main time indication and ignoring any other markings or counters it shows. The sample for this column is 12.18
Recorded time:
1.25
